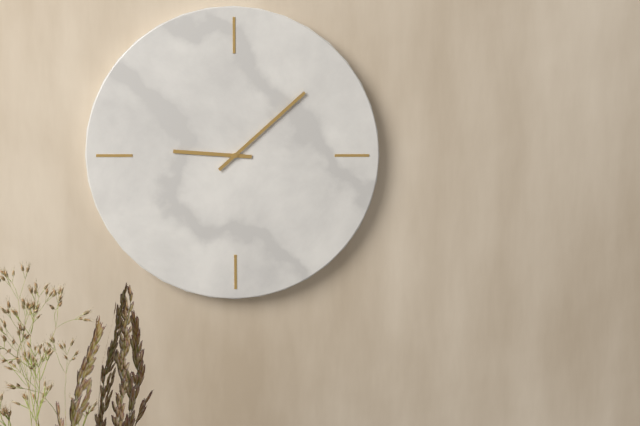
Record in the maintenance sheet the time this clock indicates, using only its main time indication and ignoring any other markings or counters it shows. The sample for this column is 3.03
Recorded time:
9.08
